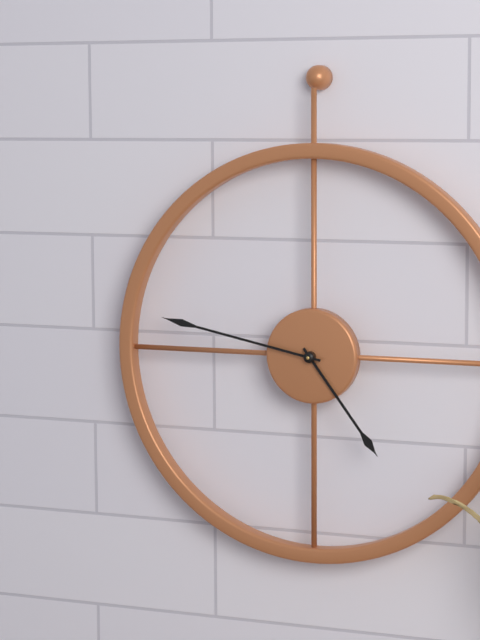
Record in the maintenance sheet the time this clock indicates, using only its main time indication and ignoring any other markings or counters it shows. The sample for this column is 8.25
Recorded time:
4.47
